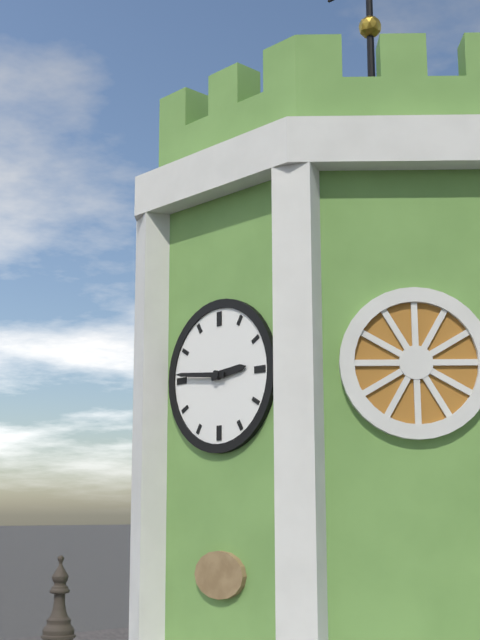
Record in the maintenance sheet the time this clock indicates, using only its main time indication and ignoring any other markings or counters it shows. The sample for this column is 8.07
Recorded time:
2.46
